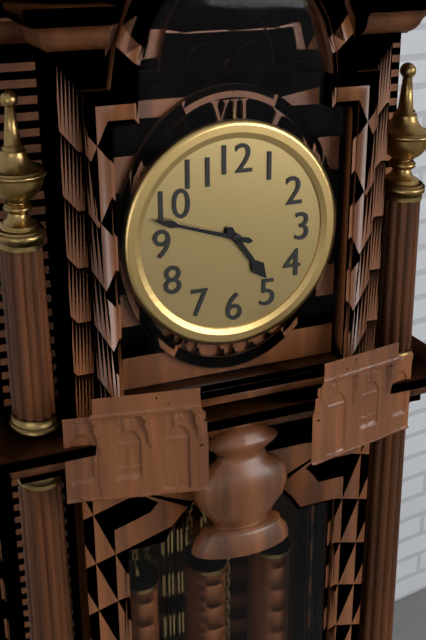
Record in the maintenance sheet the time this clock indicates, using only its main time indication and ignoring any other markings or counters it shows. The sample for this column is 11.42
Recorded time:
4.48
